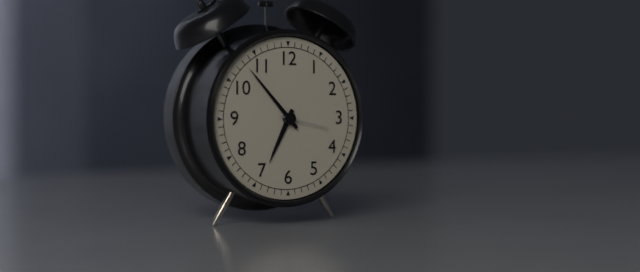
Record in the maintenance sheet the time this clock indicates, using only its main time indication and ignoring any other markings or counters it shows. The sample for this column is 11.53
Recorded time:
6.53
